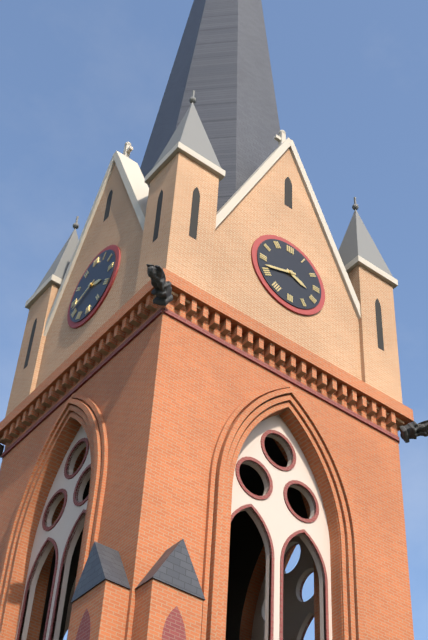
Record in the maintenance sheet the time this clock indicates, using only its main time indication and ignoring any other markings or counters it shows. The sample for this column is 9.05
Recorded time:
3.42
